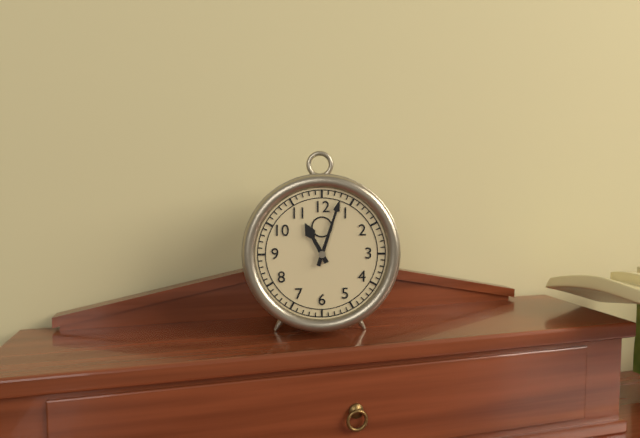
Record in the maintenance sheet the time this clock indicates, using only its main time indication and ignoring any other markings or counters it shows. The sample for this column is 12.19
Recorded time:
11.03
